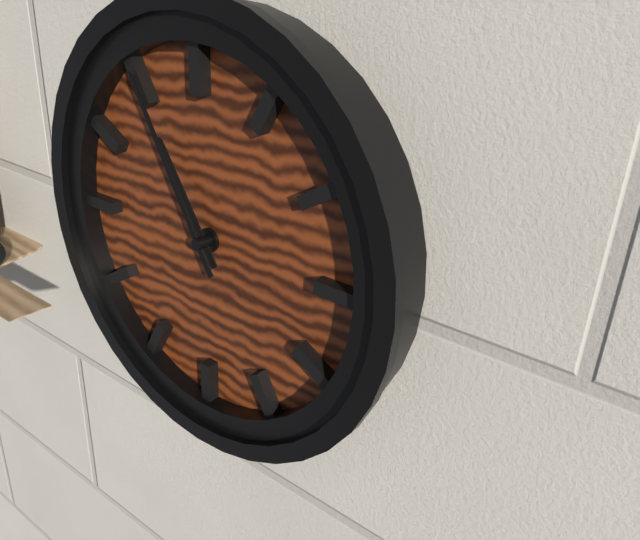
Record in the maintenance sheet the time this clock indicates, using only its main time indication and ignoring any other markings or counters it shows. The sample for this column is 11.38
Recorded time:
10.55
